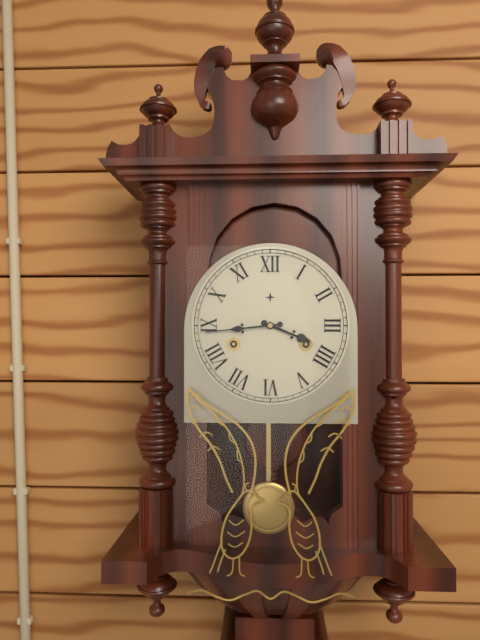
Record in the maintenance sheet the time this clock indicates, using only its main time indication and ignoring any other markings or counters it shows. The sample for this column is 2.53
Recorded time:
3.44
